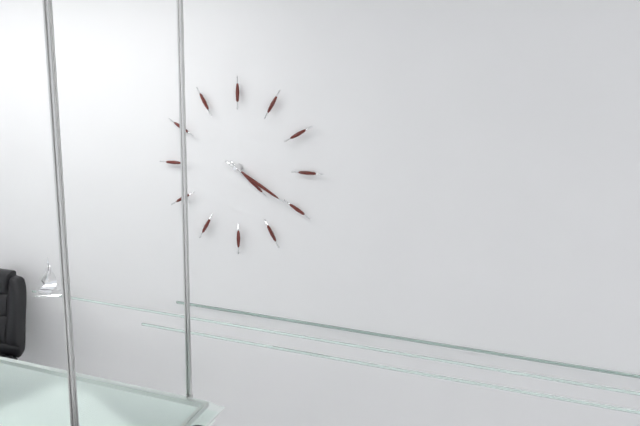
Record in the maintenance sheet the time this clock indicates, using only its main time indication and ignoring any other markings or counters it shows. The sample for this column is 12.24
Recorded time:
4.20
